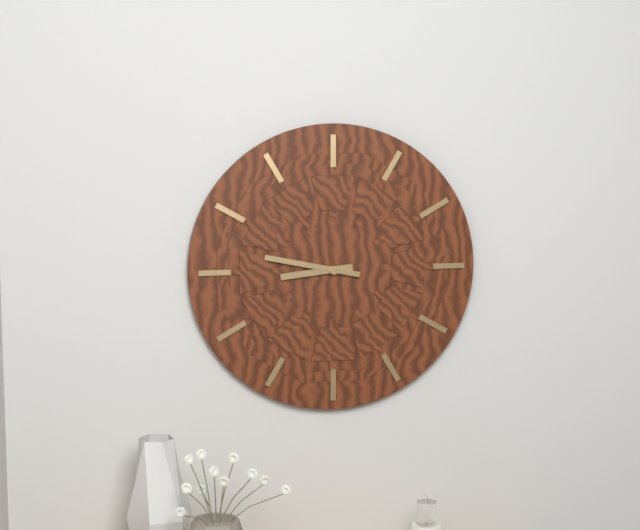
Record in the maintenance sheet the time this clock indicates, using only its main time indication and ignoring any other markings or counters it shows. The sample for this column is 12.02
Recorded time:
8.47
